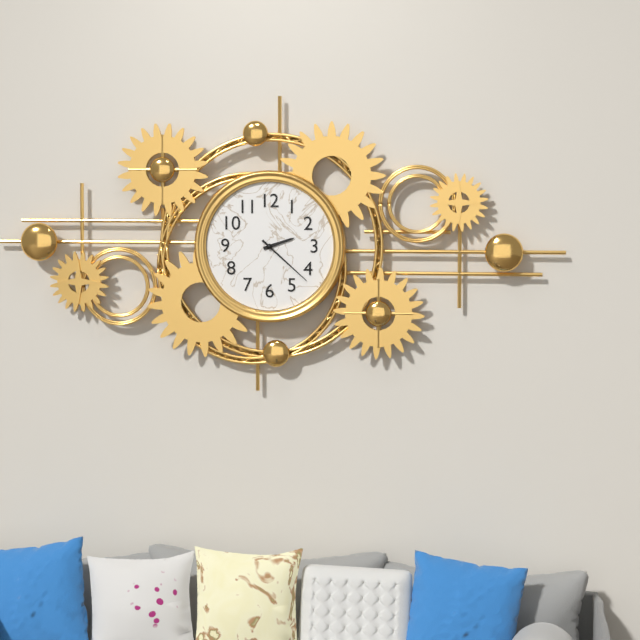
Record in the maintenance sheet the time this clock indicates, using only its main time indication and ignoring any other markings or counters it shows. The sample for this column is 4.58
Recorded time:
2.22
